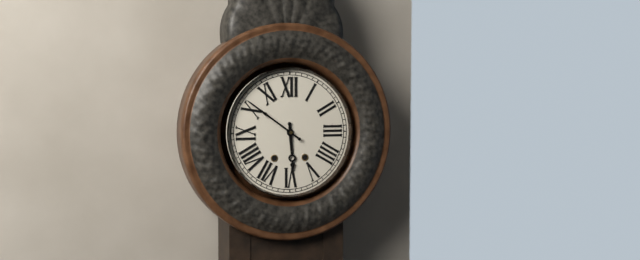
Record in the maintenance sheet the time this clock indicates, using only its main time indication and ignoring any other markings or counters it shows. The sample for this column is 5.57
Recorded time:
5.51
